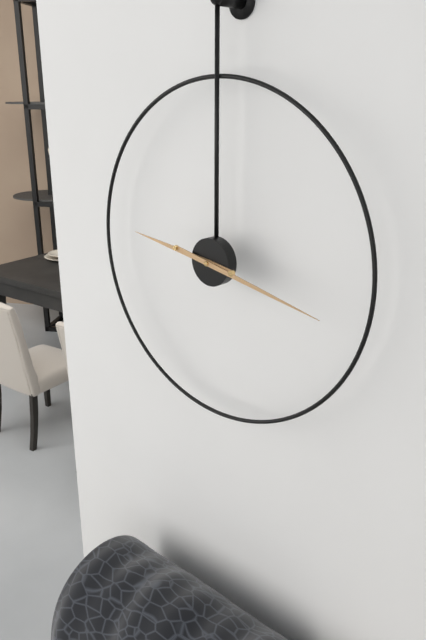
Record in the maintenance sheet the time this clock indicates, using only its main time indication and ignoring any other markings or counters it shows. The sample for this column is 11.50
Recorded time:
9.17
